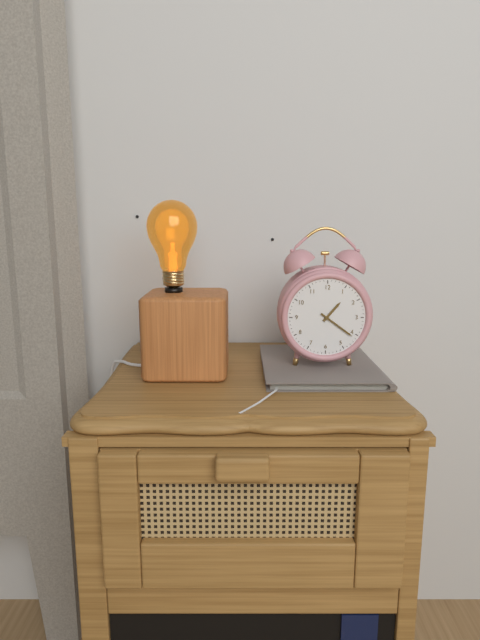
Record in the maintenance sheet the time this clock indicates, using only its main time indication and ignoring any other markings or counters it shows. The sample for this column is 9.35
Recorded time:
1.21
